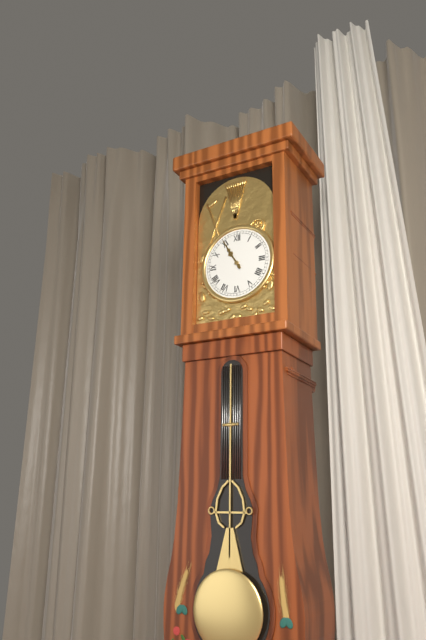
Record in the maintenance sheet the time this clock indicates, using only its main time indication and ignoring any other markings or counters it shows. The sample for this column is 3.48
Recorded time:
10.55
